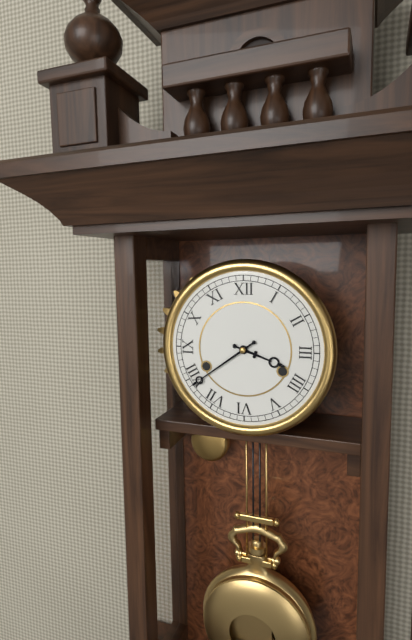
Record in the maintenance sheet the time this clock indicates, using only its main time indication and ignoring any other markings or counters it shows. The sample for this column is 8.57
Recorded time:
3.39
